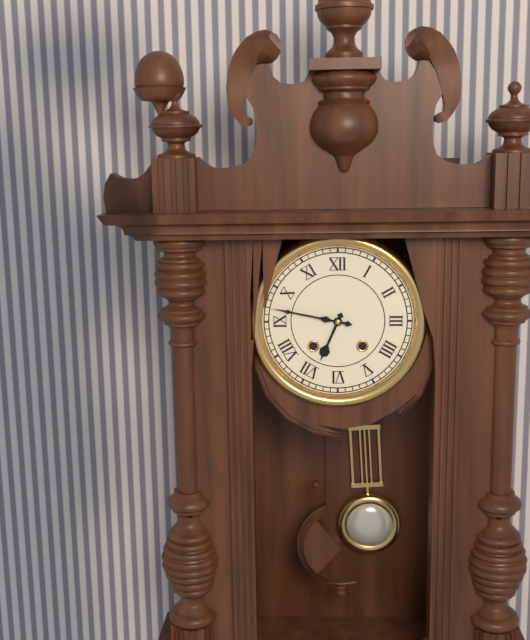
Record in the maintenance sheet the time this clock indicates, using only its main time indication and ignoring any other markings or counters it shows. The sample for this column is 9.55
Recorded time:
6.47
